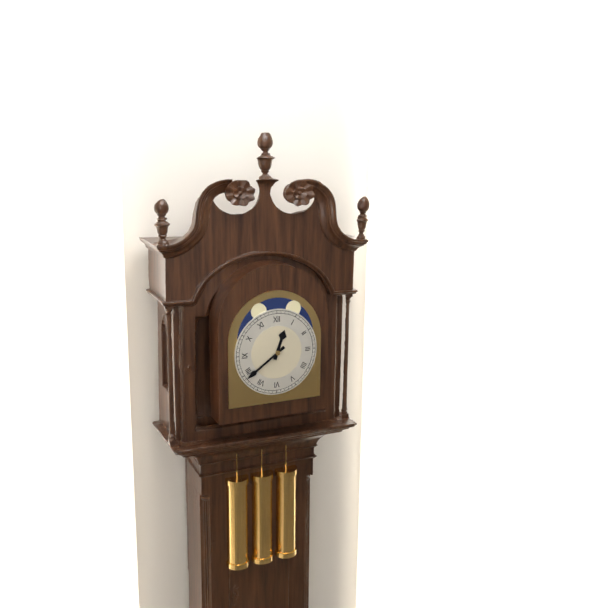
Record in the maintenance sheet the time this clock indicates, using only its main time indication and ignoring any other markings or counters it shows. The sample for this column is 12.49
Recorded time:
12.39
